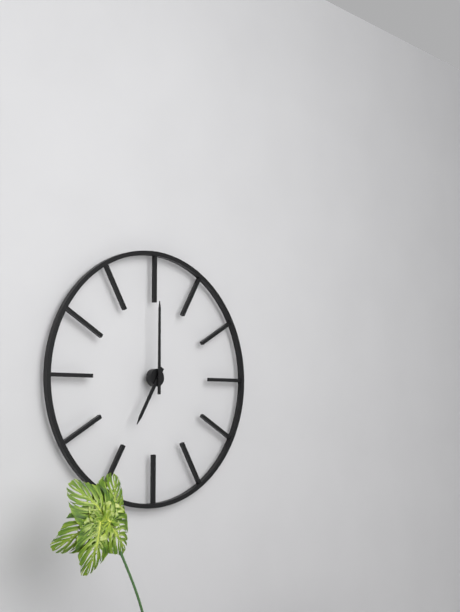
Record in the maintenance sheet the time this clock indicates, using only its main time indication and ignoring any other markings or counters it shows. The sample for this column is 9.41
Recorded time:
7.00
